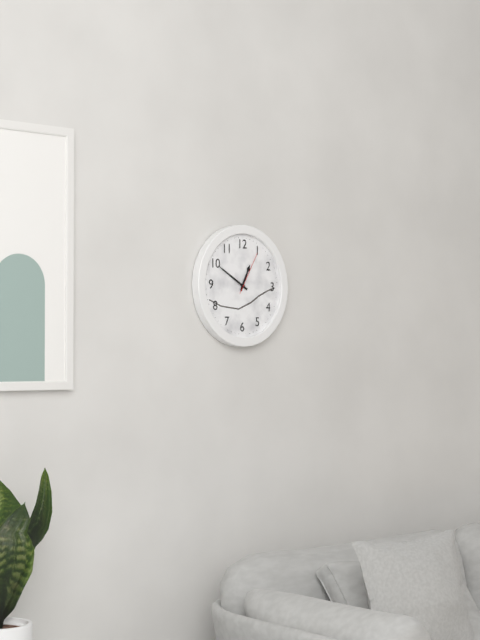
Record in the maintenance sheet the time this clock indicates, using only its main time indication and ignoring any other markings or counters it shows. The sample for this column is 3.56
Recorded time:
12.50
